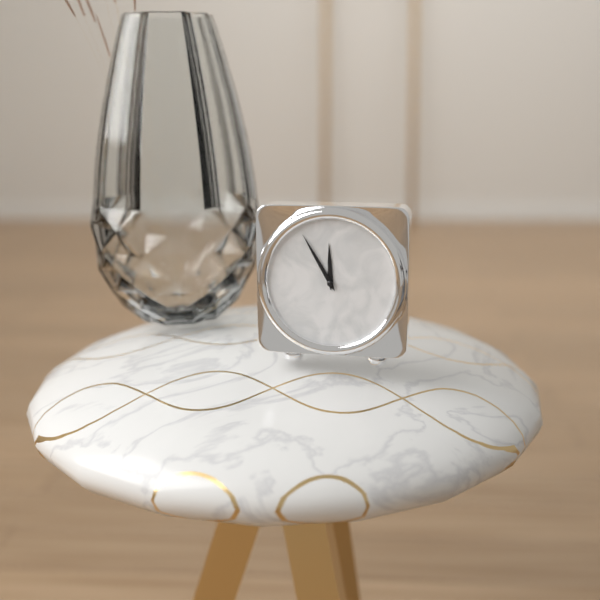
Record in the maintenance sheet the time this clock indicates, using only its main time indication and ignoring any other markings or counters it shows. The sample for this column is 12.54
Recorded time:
11.55
